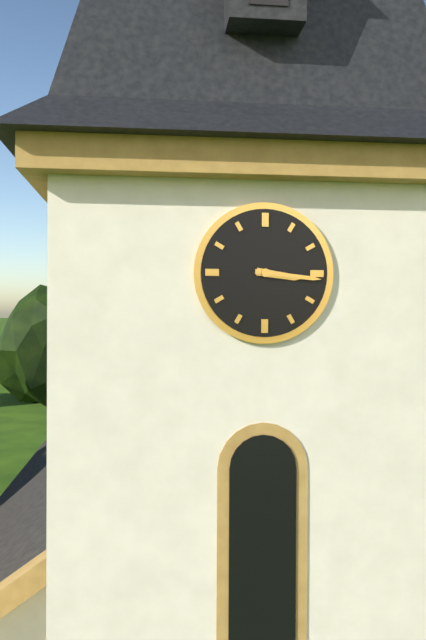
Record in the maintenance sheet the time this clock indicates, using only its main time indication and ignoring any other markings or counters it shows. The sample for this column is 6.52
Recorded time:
3.16
